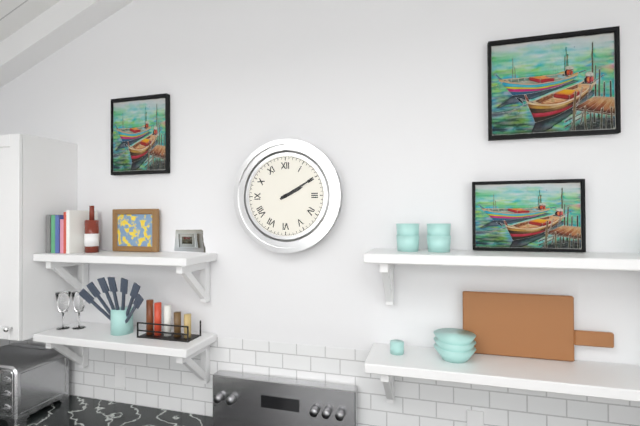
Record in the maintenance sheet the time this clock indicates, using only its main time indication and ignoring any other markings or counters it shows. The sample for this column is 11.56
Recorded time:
2.10
